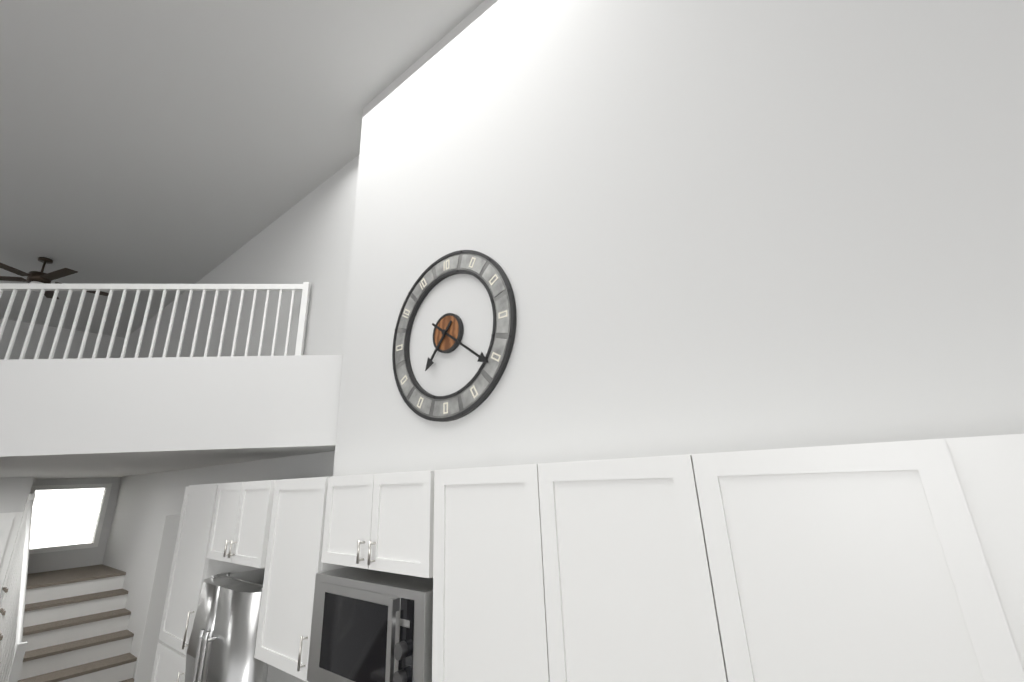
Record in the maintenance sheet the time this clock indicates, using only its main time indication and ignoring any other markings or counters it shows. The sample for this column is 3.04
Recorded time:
7.21
